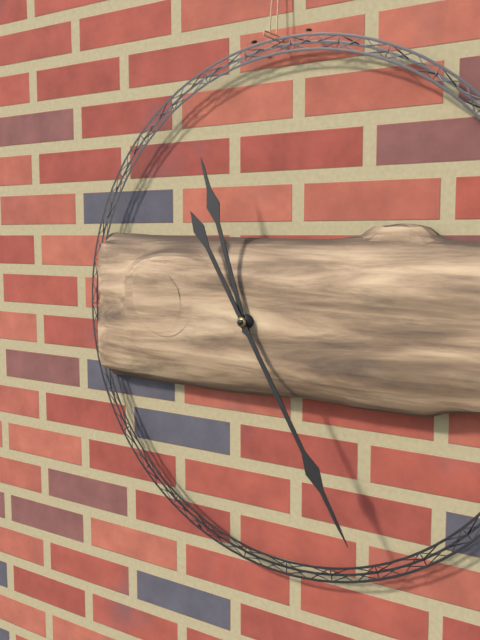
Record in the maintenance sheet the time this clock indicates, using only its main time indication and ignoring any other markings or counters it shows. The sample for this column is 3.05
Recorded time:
11.25
